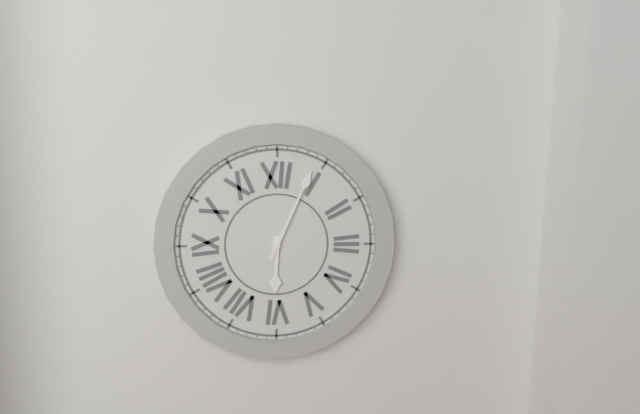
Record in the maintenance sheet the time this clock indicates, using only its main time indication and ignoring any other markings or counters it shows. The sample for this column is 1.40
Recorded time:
6.04
